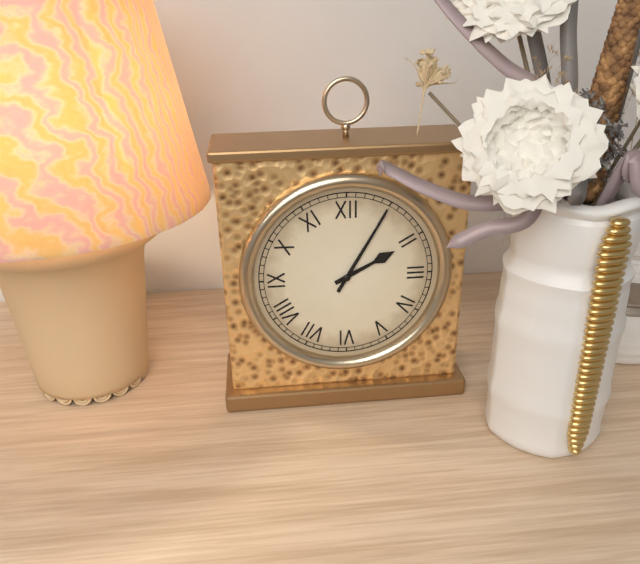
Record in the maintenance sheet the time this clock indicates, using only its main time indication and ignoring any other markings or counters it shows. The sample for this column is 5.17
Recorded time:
2.05
